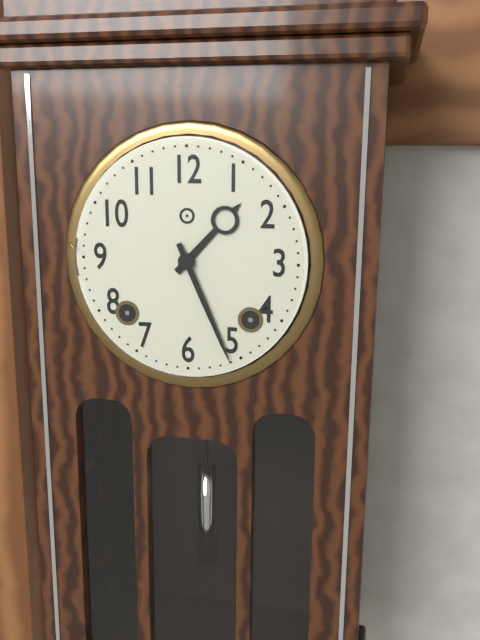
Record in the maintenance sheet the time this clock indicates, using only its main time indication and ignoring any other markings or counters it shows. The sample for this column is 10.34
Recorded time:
1.26
